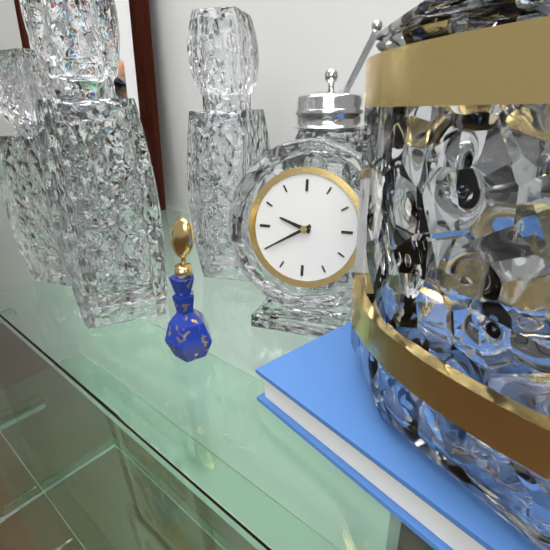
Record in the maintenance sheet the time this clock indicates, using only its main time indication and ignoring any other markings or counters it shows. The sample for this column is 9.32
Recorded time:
9.40
